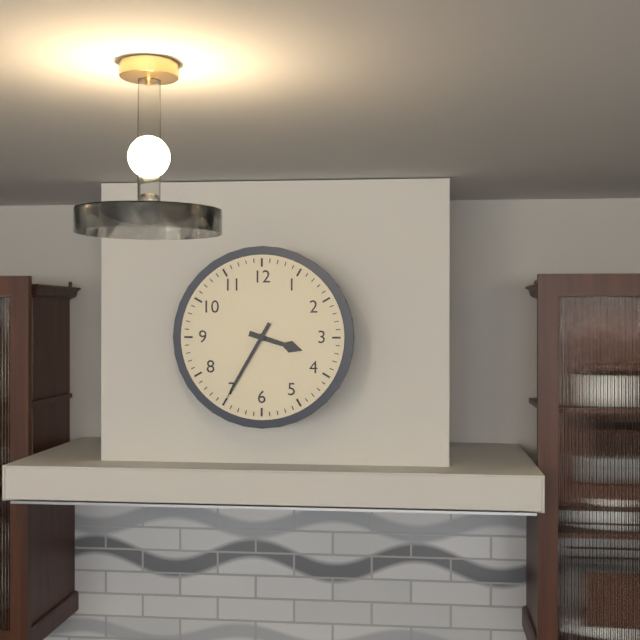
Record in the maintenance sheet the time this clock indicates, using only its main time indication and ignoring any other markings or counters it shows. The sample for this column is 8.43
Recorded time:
3.35
